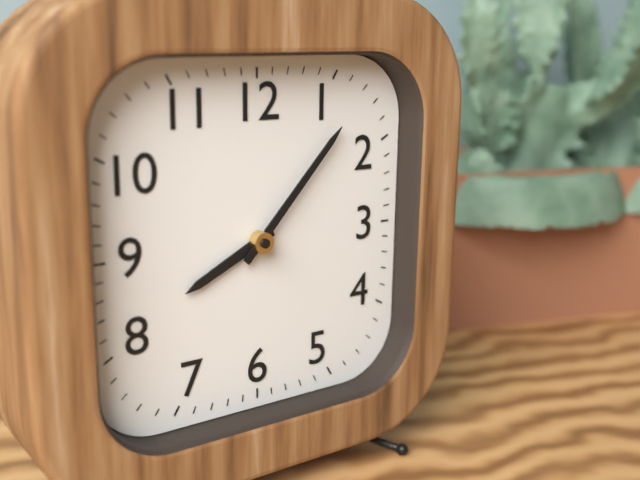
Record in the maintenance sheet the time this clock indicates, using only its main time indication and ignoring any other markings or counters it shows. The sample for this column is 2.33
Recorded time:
8.07
